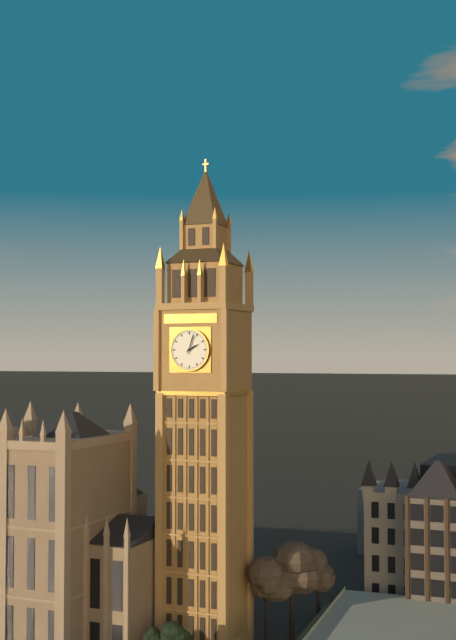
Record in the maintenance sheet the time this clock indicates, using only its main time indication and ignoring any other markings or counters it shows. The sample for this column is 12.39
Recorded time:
2.03
